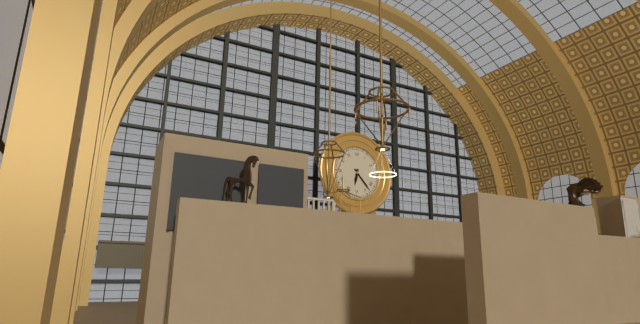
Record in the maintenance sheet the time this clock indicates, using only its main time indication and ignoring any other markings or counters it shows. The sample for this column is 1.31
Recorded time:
6.23
